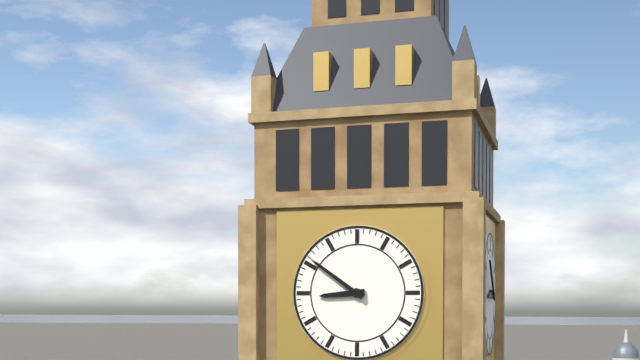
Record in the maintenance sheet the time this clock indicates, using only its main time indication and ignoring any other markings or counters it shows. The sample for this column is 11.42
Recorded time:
8.51
